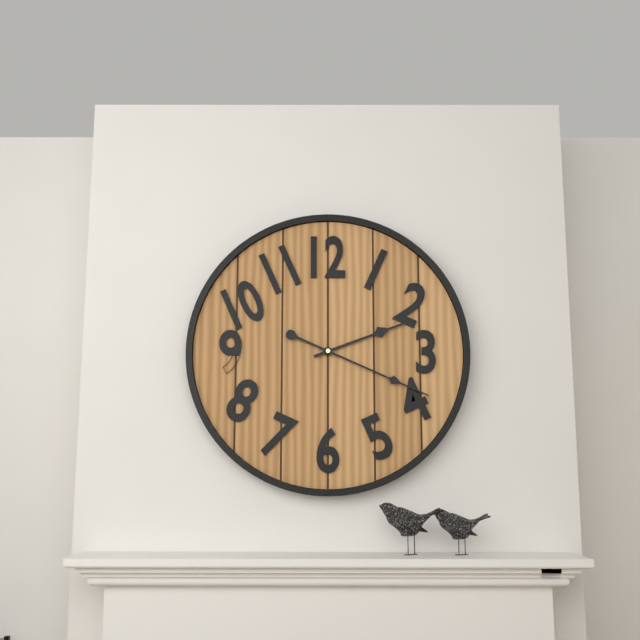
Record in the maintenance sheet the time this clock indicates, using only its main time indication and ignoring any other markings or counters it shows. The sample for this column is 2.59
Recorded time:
2.19
